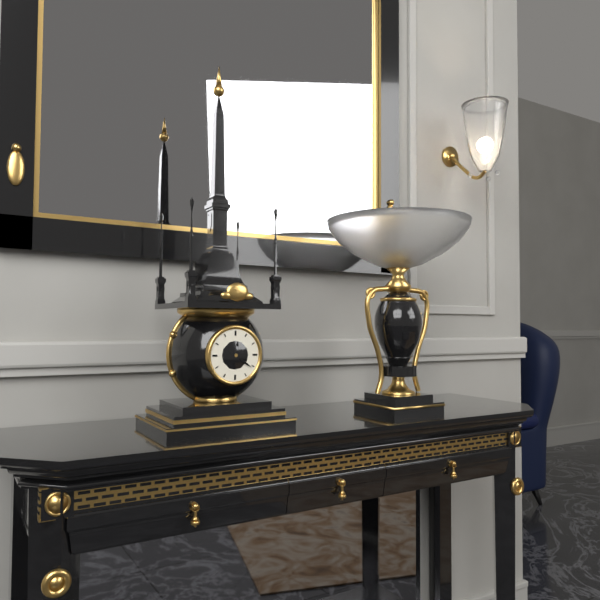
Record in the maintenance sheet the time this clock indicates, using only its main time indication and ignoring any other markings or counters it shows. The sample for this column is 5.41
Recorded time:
12.21
